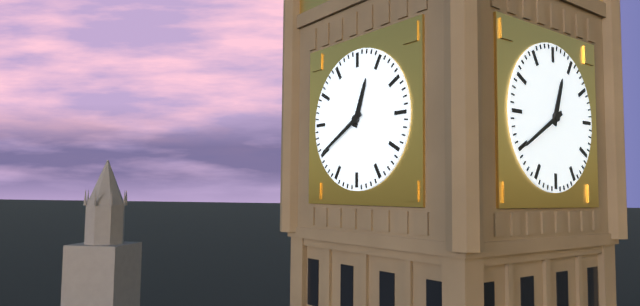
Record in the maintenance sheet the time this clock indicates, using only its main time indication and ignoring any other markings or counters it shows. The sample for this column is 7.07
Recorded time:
12.40
